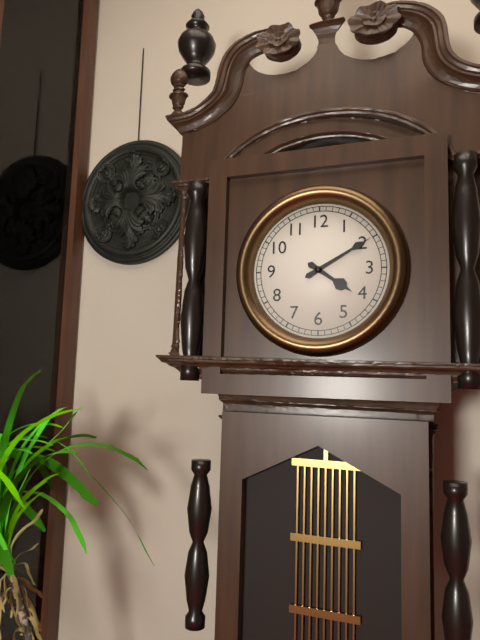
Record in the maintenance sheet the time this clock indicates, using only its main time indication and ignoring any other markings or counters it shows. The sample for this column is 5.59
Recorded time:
4.10
